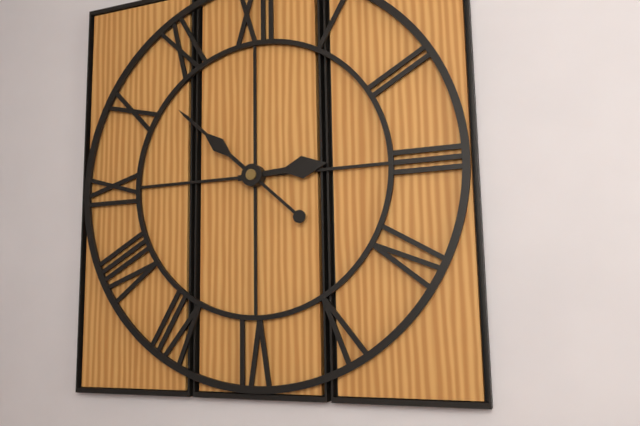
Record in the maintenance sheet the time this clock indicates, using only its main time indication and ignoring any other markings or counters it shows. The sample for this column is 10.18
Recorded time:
2.52
